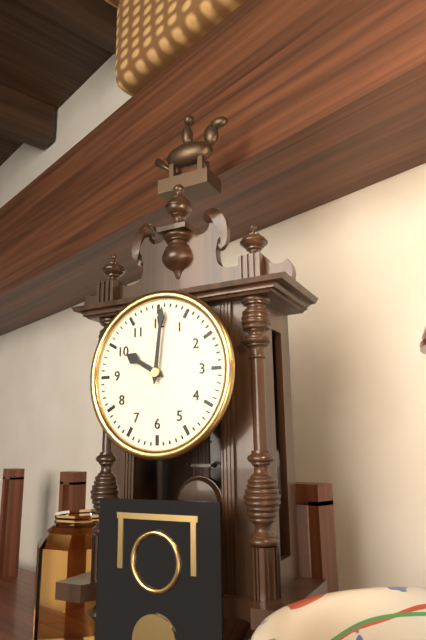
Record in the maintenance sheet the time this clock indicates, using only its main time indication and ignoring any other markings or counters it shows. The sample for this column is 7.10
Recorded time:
10.01
